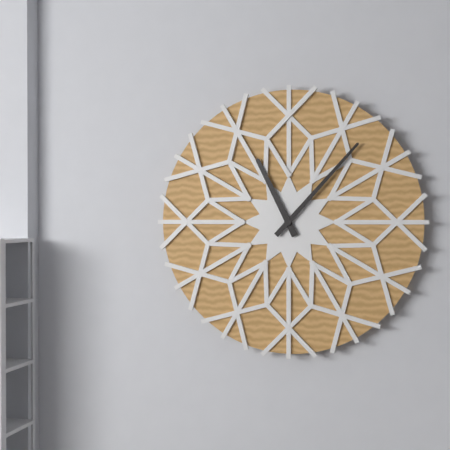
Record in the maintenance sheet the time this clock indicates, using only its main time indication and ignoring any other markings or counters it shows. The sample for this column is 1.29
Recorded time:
11.07
